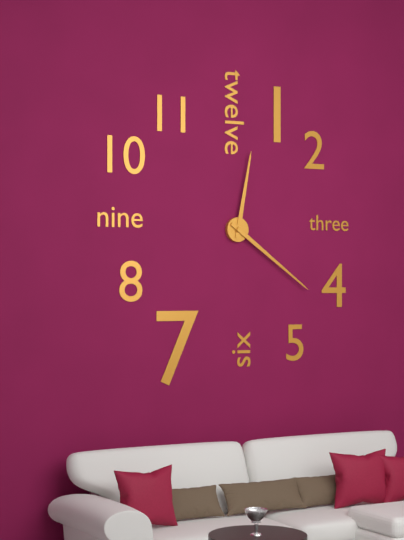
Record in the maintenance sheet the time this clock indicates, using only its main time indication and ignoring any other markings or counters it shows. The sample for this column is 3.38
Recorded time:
12.21
